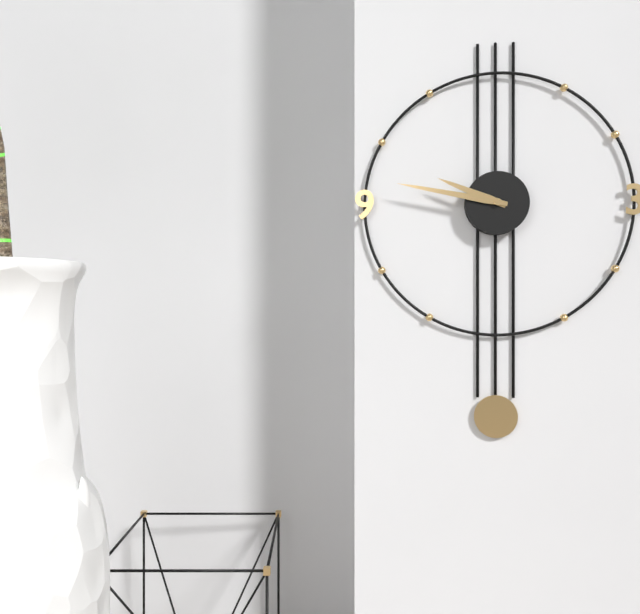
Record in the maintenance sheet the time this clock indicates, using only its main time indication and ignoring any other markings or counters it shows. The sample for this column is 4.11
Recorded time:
9.47
